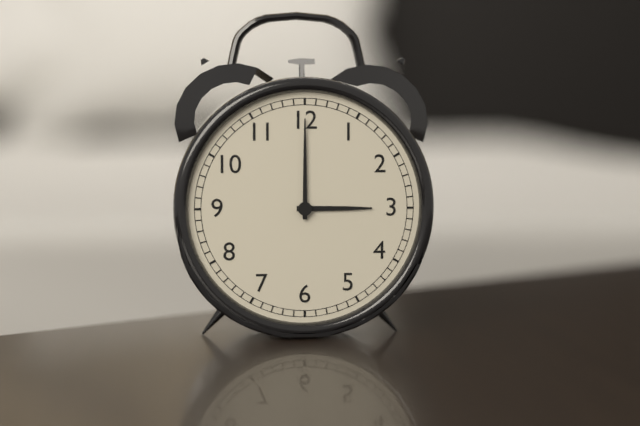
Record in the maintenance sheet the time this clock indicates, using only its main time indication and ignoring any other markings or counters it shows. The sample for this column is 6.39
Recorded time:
3.00
